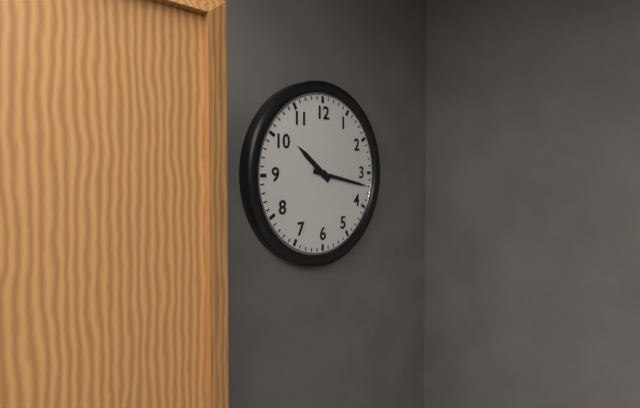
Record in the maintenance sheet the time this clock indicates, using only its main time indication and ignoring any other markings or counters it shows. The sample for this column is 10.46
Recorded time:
10.17
